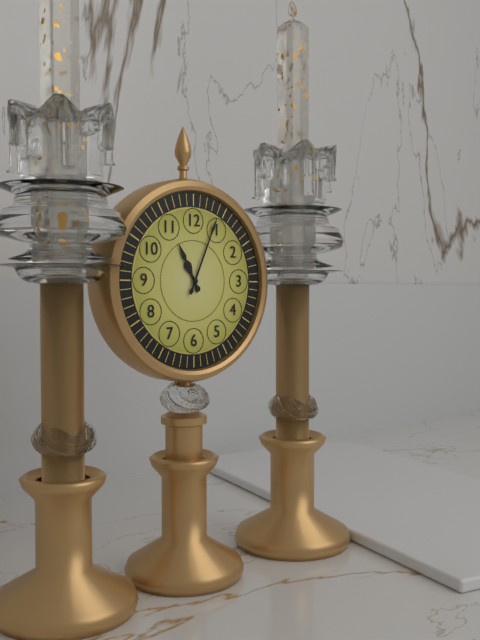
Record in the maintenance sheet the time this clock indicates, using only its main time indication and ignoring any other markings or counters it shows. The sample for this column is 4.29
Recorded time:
11.04
